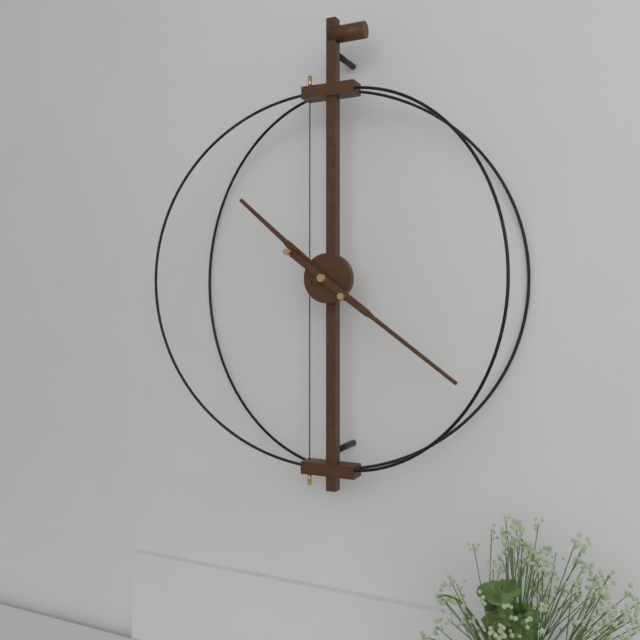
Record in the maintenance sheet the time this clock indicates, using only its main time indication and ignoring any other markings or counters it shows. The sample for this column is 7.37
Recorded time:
10.21
